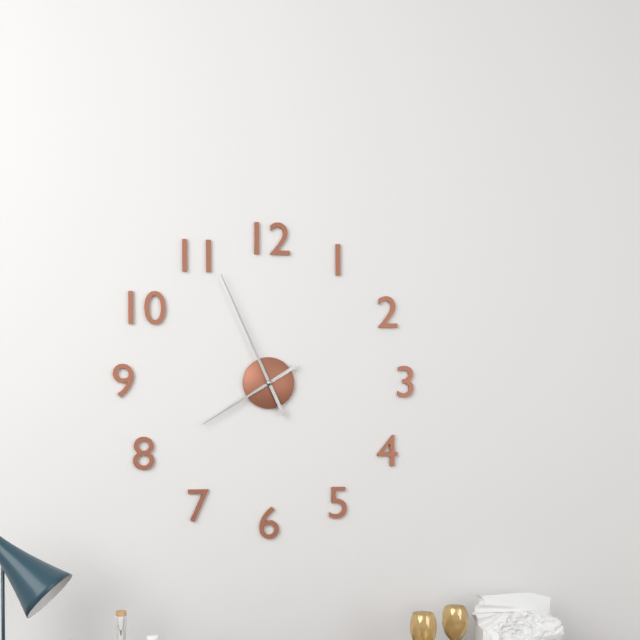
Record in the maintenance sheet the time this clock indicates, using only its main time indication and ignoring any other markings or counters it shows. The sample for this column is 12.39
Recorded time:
7.56
